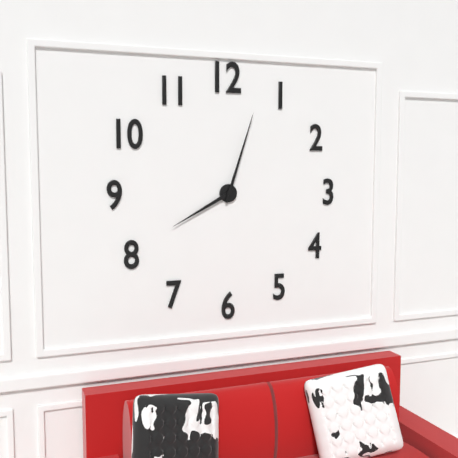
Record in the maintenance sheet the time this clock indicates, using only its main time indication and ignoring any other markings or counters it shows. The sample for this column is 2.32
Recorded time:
8.03
